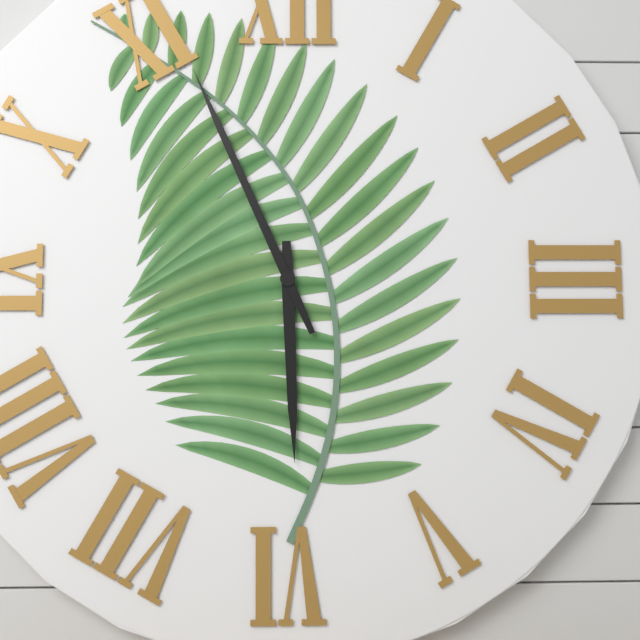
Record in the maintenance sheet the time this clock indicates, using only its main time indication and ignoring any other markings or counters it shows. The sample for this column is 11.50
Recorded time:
5.56
